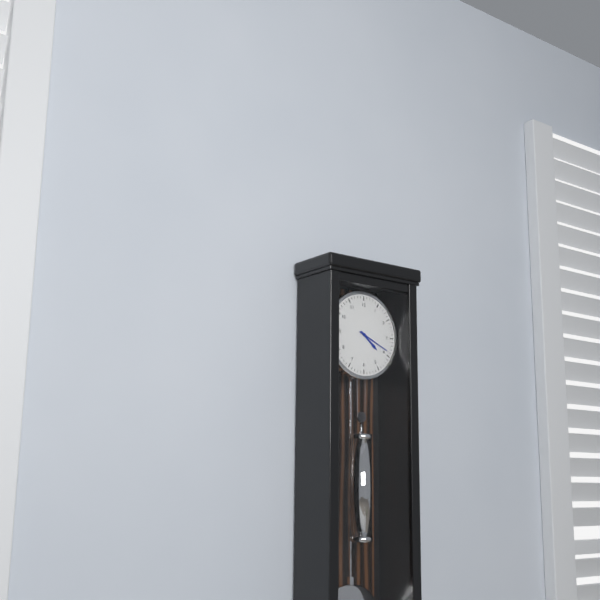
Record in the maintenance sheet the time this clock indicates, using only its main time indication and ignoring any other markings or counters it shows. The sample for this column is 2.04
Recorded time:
4.19
